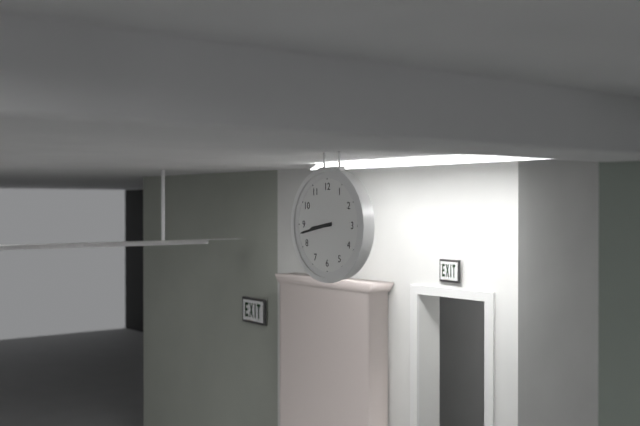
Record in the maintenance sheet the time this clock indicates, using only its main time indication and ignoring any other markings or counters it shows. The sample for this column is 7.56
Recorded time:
8.43
